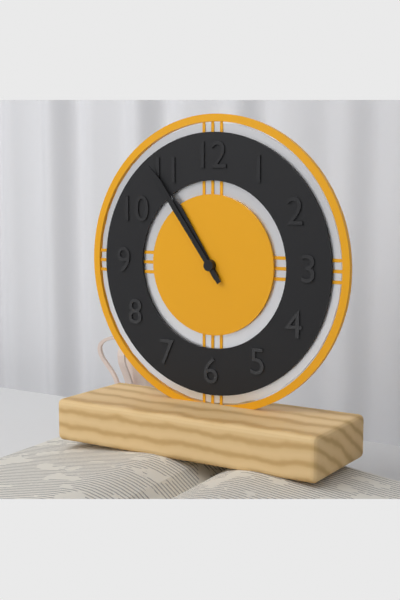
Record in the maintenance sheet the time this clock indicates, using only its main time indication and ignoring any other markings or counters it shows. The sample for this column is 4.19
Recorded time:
10.54
